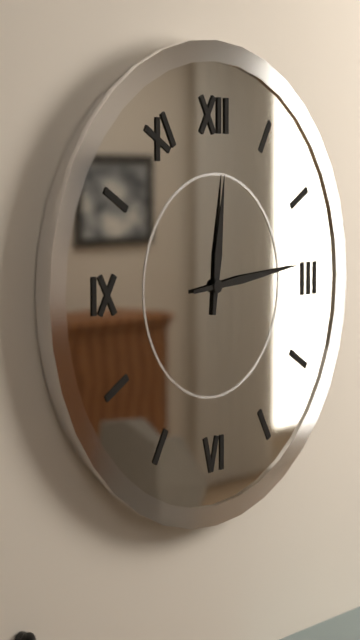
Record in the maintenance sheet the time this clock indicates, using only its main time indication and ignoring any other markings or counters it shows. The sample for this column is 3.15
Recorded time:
12.14
